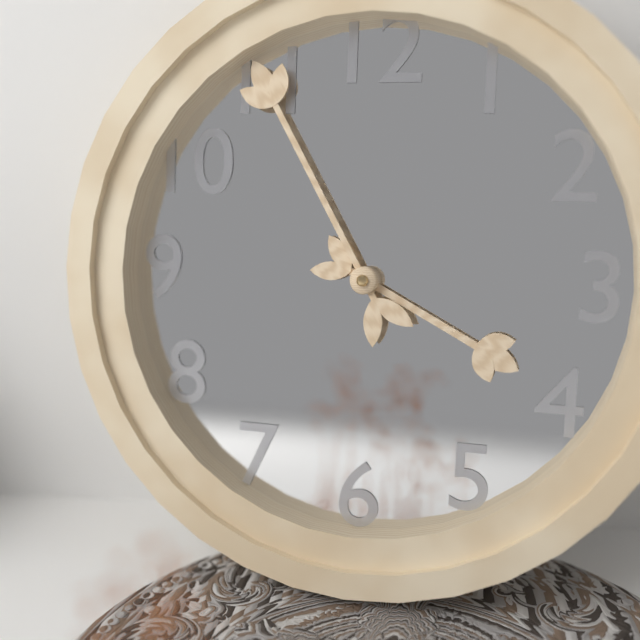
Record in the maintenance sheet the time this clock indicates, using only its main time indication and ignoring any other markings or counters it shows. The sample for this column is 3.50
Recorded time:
3.55
